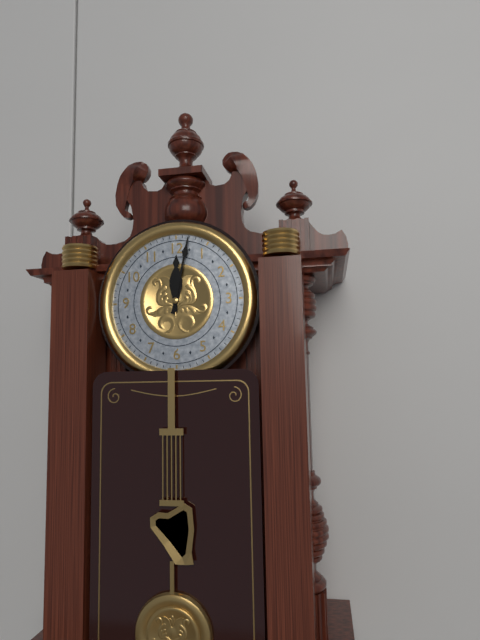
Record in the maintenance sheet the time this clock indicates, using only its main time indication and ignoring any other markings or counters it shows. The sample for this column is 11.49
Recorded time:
12.02
